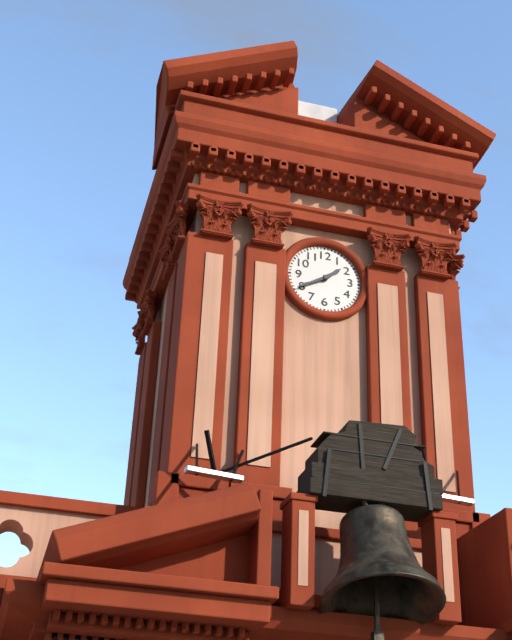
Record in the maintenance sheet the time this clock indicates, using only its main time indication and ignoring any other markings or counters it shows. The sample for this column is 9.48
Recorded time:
1.40
